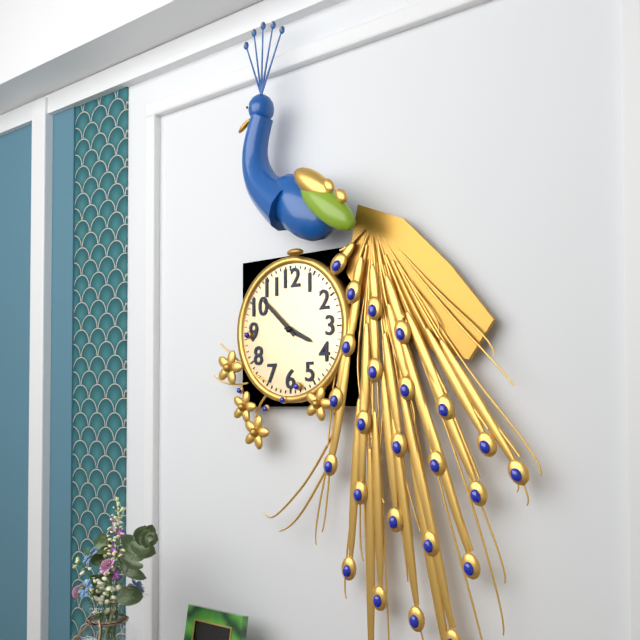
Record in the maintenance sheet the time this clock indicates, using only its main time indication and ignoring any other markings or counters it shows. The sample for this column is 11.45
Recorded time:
3.52
